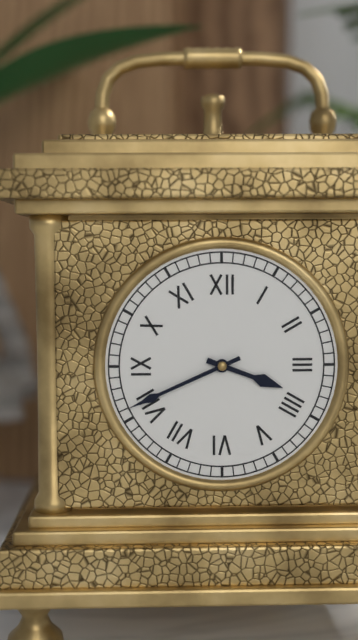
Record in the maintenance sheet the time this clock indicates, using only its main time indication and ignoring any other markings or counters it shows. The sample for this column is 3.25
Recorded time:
3.41
